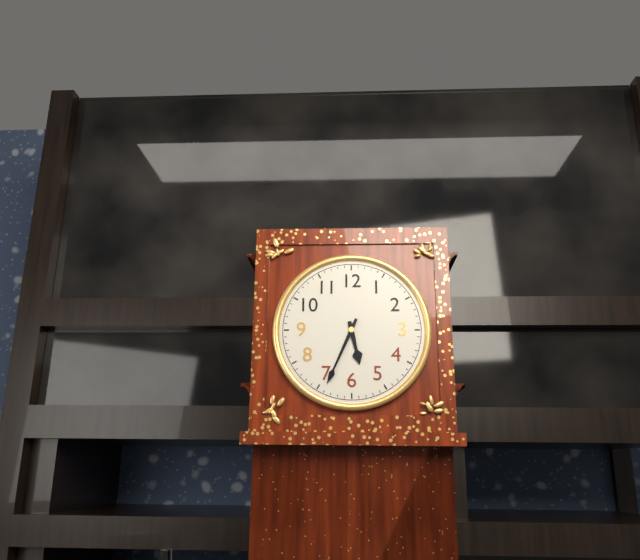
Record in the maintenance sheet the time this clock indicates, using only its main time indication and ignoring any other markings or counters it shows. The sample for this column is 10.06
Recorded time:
5.34
